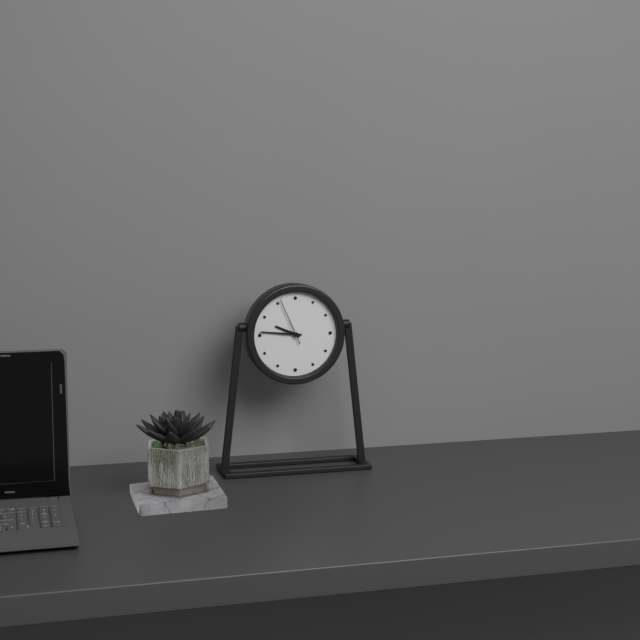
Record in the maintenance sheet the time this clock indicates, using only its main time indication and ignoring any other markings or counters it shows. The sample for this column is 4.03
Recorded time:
9.46
